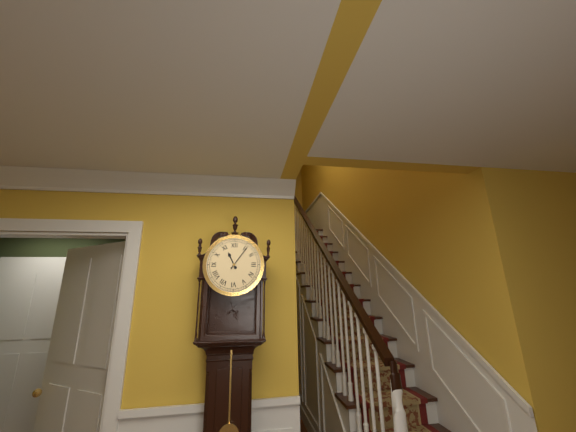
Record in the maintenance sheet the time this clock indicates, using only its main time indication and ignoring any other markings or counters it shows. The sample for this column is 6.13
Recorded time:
11.06
